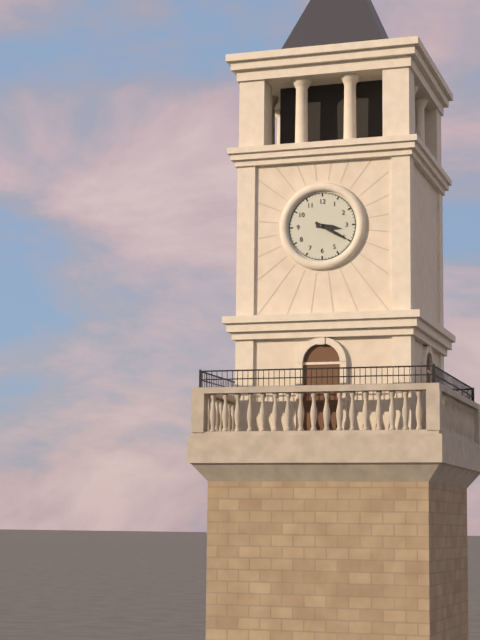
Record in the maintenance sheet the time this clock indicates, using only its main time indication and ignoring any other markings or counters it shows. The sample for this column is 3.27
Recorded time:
3.20
